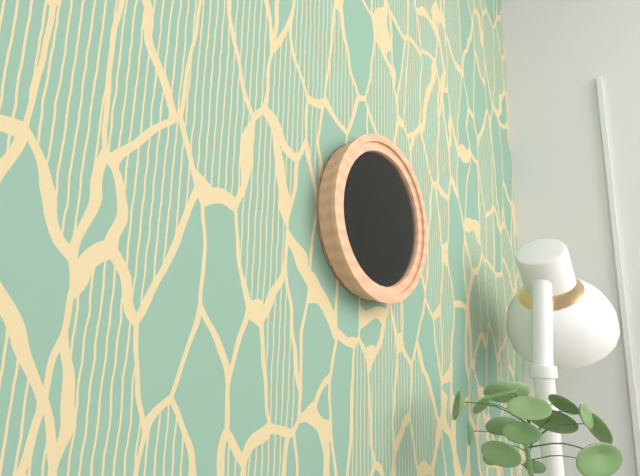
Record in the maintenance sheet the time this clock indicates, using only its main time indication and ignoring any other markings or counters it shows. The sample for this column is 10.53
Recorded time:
7.23
